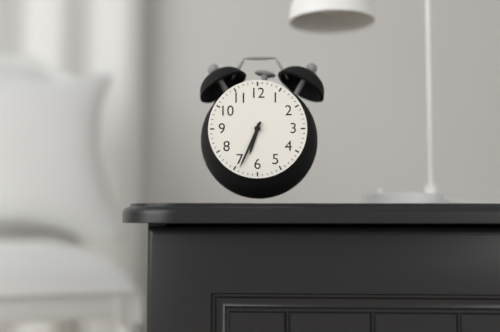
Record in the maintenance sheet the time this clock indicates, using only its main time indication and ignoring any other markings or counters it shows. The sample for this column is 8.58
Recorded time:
6.34
